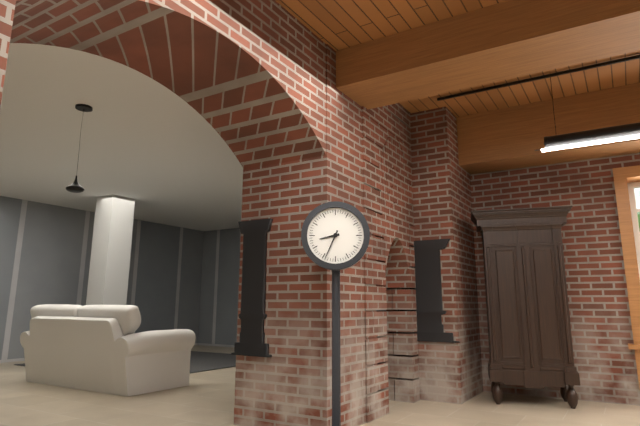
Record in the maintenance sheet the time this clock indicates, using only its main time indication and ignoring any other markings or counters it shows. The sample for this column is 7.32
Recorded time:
8.34
